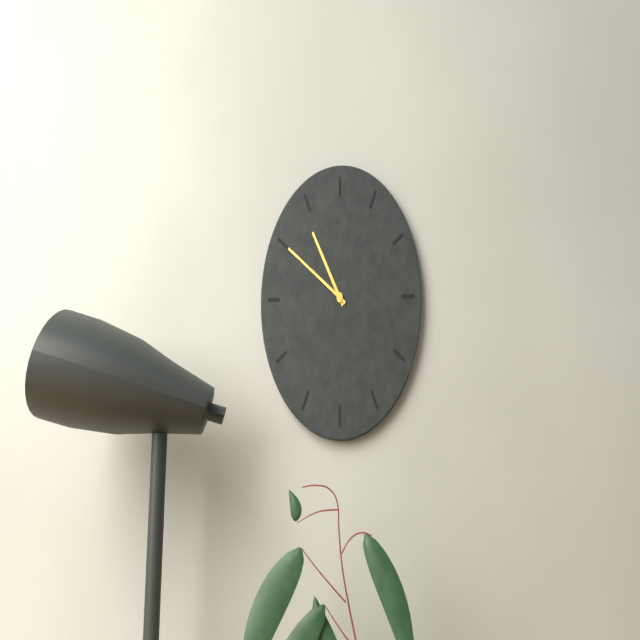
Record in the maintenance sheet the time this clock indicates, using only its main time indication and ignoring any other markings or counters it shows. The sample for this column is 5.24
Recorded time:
10.50
